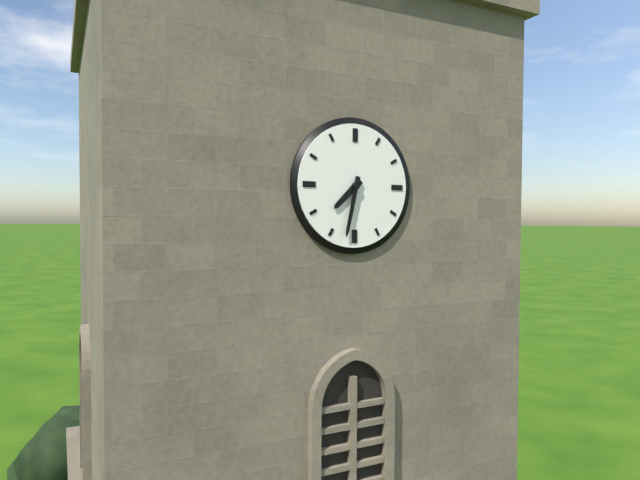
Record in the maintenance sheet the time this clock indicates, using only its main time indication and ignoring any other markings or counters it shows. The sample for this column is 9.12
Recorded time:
7.32
